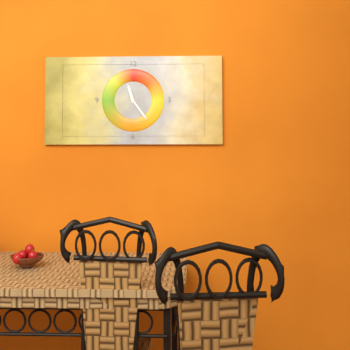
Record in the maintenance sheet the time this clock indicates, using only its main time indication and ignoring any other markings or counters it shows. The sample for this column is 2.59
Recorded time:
11.24
